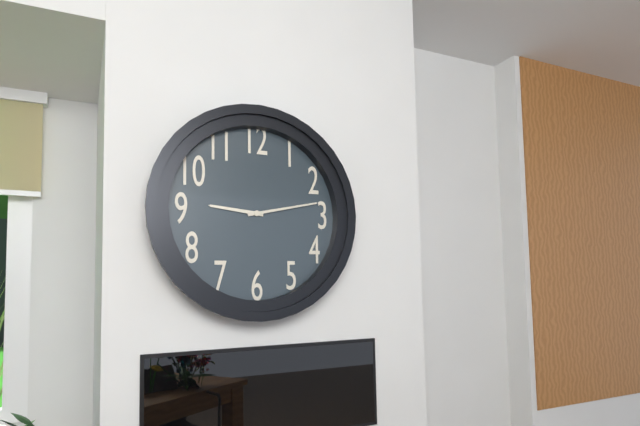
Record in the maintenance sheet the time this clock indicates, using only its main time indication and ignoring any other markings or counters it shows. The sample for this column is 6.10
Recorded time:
9.13
